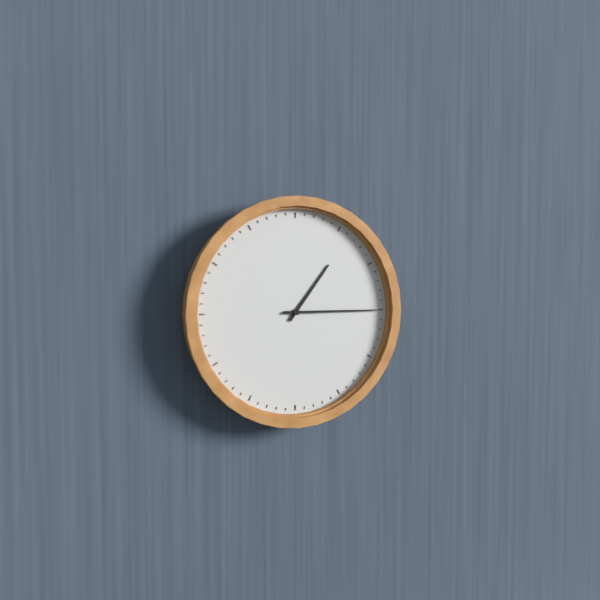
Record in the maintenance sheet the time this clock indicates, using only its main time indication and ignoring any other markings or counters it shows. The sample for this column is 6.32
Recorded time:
1.15
